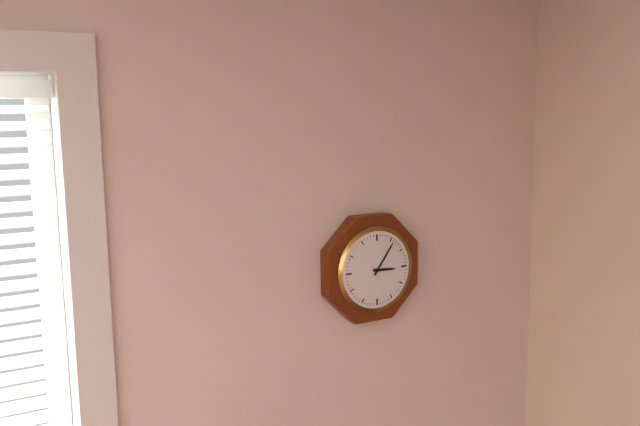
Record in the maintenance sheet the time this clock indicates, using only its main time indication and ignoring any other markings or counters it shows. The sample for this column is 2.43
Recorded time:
3.06
